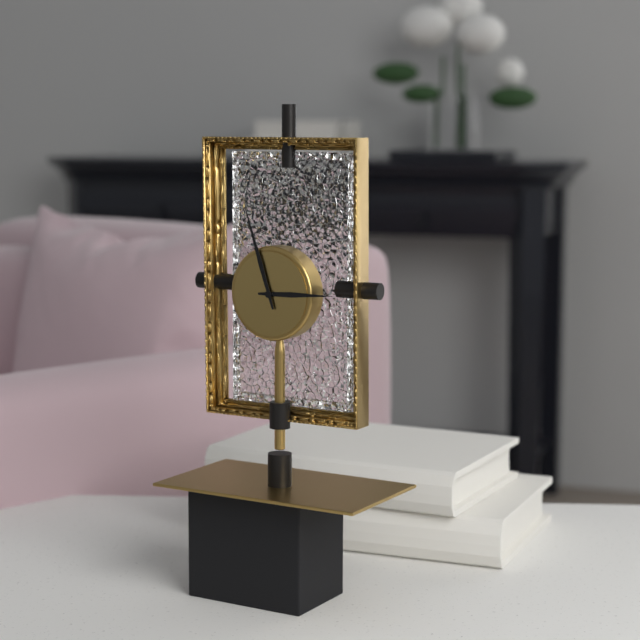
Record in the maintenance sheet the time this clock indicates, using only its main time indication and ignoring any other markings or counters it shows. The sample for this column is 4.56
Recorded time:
2.57
